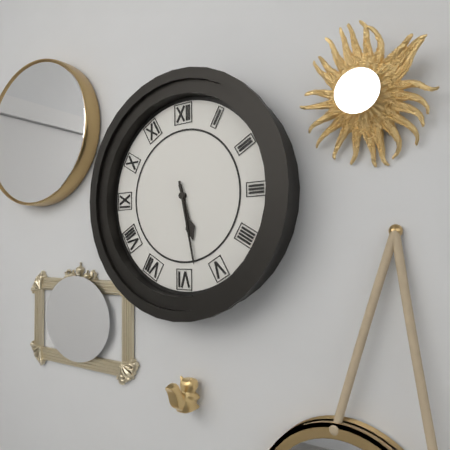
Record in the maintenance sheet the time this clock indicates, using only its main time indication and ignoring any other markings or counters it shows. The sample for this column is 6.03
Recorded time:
5.28
